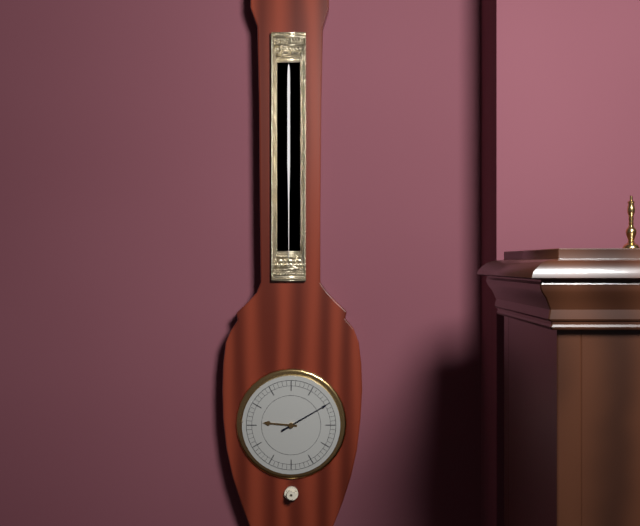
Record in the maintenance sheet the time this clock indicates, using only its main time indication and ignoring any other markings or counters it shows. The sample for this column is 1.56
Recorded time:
9.10
